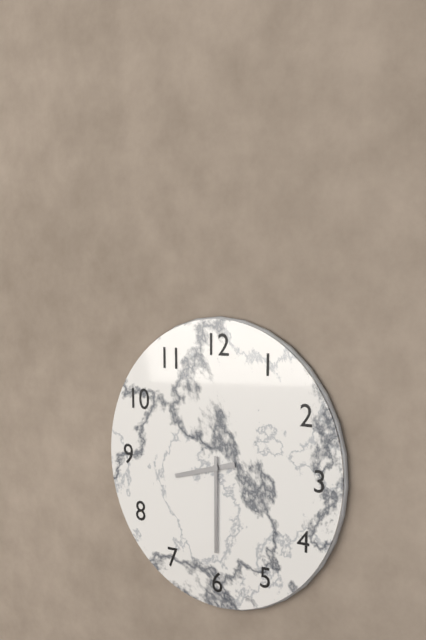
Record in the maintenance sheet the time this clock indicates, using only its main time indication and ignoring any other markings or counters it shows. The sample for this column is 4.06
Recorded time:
8.30
